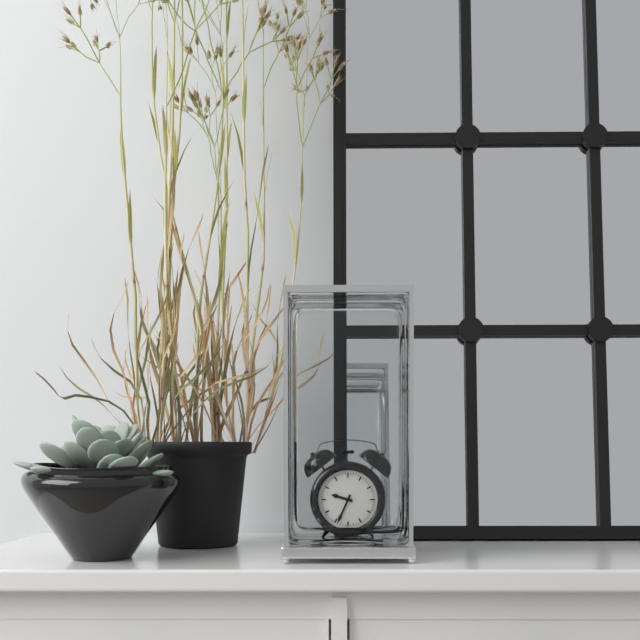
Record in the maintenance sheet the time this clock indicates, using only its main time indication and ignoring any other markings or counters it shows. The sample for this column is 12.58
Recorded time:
9.34
